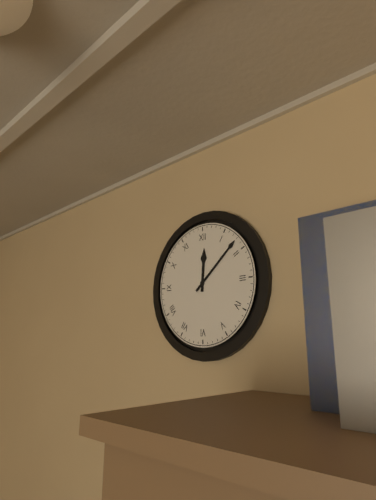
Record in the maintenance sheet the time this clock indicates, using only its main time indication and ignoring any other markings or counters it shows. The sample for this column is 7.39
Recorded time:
12.08
